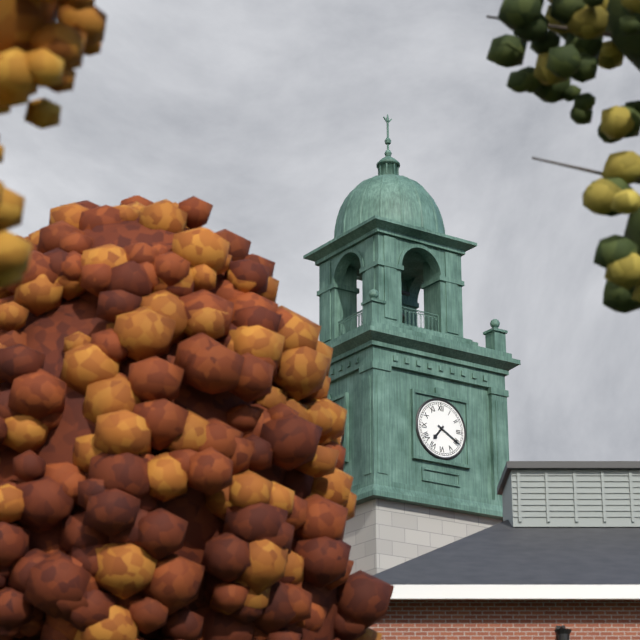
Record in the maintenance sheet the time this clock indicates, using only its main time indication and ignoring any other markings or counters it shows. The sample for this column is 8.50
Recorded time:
7.20
